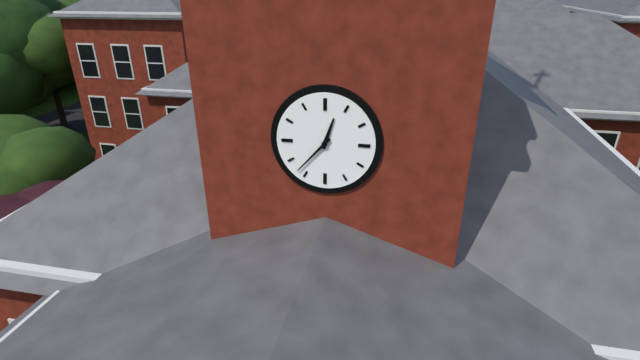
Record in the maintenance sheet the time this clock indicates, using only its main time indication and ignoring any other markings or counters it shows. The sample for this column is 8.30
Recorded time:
12.37
